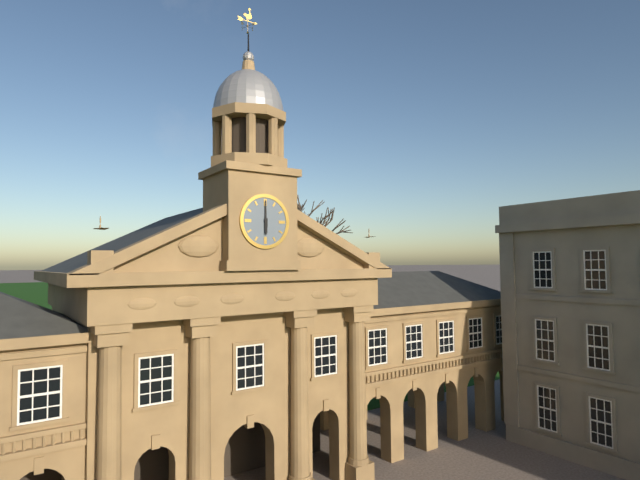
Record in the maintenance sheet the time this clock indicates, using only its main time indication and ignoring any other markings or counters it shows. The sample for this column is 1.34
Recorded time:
6.00
